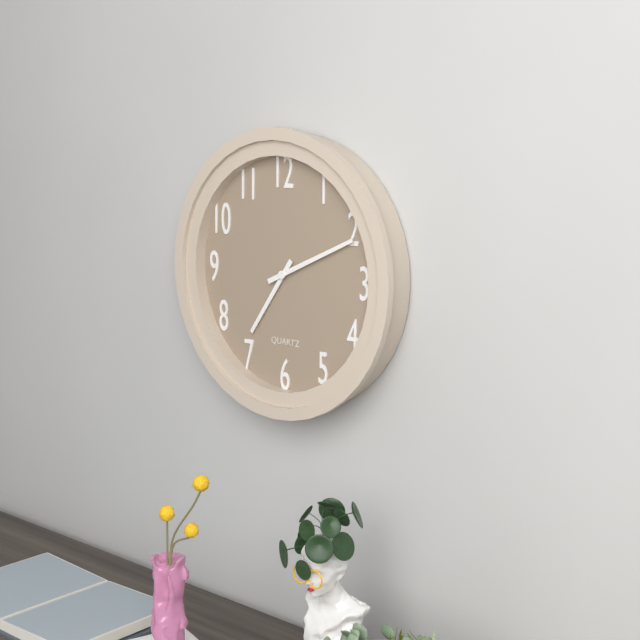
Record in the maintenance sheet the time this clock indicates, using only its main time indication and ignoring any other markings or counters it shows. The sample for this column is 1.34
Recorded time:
7.11
